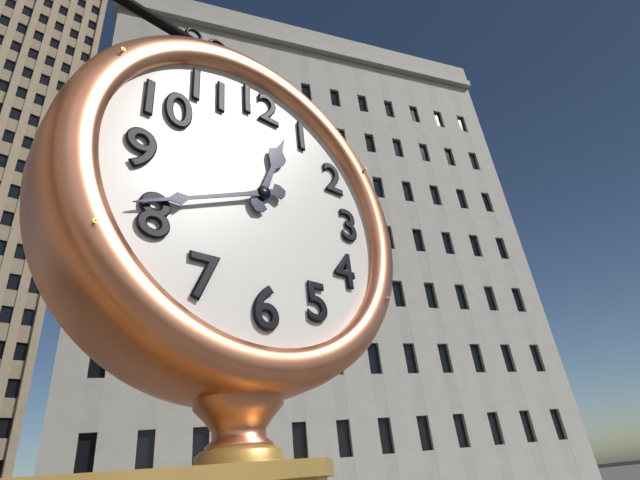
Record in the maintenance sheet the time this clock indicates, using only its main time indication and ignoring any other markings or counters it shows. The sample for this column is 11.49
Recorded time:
12.41
